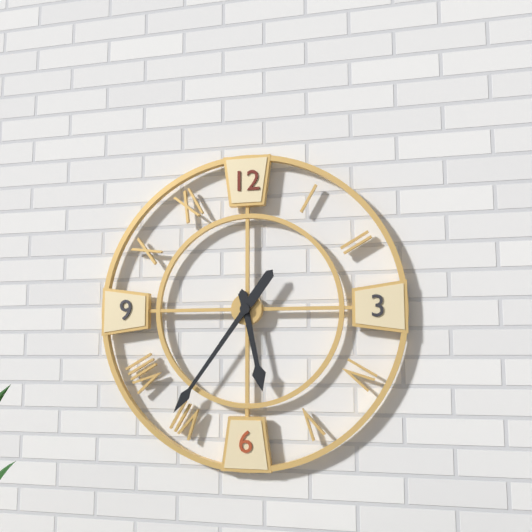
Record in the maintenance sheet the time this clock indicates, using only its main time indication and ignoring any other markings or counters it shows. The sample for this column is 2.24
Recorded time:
5.36
